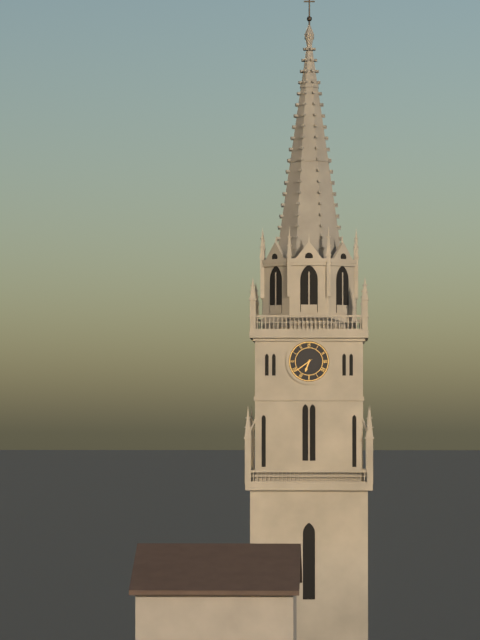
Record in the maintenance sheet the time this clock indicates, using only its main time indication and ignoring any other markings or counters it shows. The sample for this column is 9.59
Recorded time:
6.39
